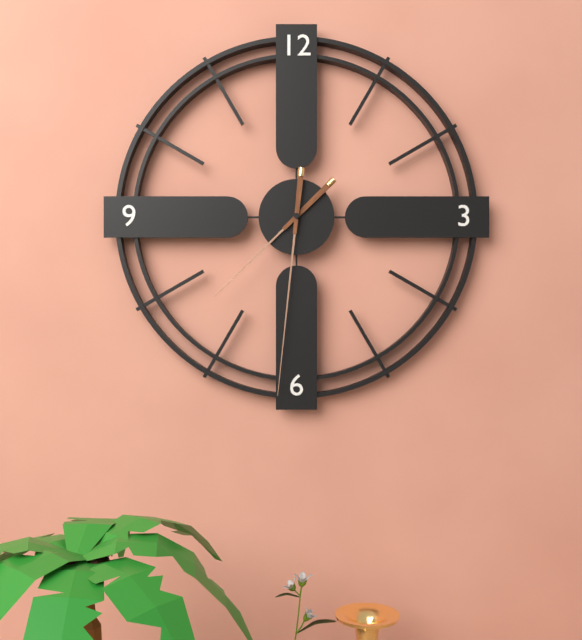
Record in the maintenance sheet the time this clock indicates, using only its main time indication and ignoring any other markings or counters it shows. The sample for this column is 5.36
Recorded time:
7.31
